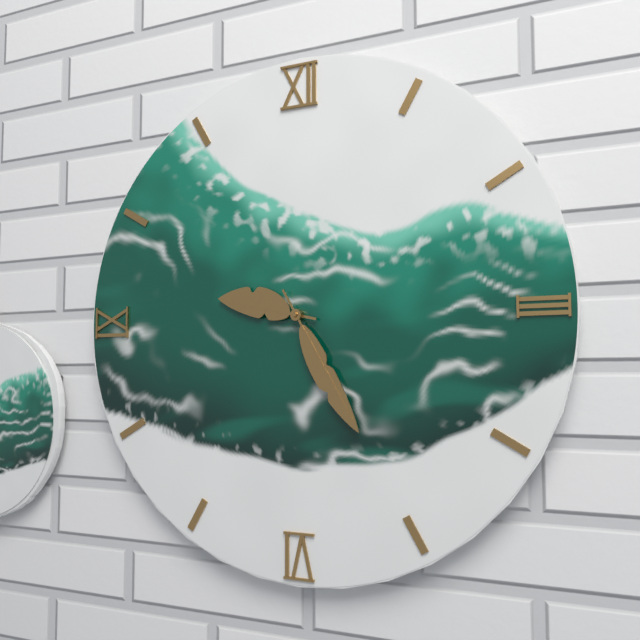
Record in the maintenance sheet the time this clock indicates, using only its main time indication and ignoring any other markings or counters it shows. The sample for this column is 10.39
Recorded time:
9.25
